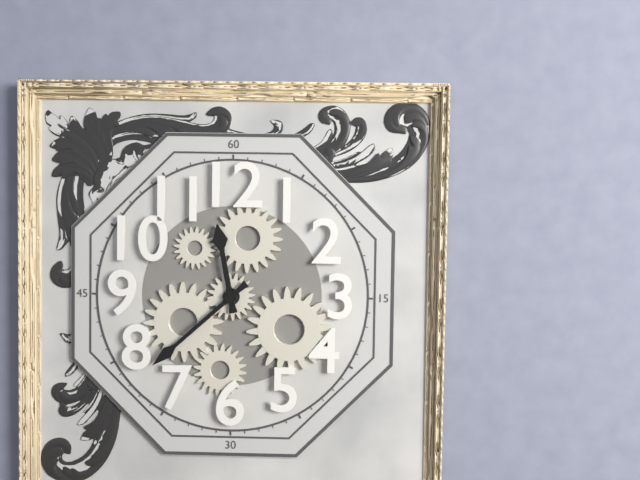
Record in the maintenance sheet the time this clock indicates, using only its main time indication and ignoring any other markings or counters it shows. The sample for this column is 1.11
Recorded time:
11.38
